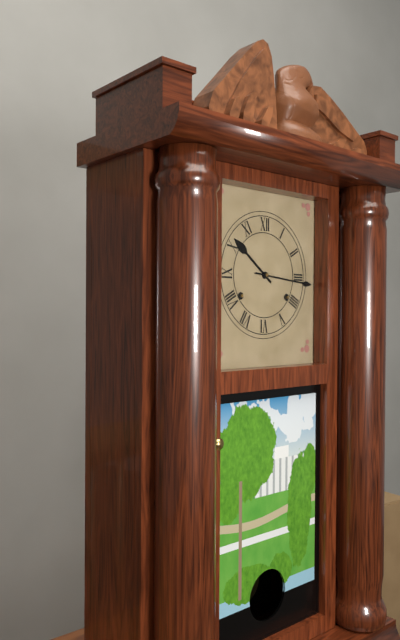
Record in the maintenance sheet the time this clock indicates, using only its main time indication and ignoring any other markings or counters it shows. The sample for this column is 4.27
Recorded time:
10.16
